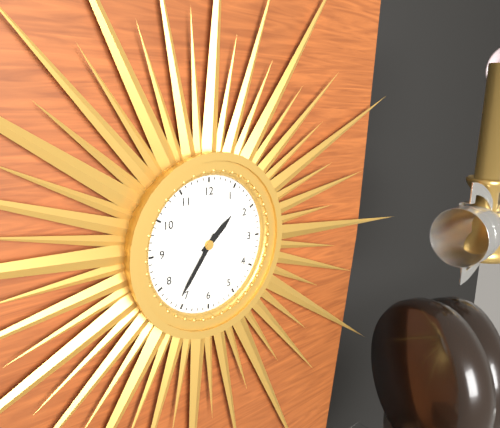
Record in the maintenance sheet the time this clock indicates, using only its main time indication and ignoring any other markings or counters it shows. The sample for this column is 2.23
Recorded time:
1.36
